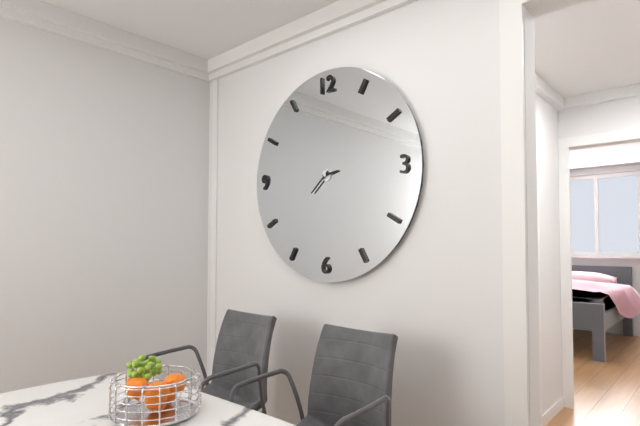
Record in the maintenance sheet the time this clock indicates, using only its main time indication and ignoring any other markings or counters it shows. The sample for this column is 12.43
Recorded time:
2.38
